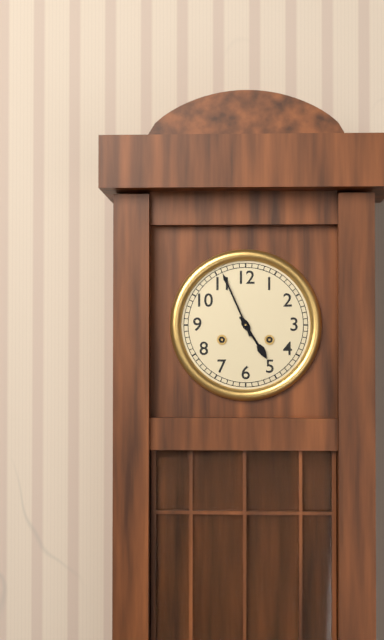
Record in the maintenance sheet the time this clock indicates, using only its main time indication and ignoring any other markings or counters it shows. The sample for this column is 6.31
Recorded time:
4.56
